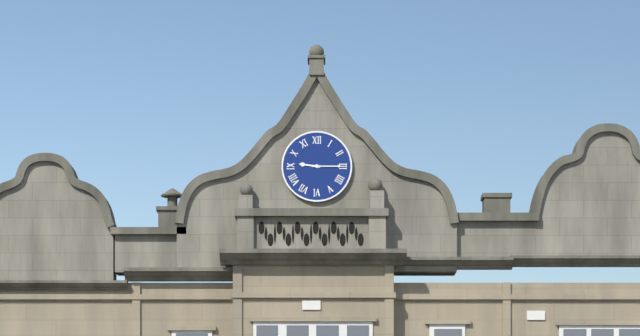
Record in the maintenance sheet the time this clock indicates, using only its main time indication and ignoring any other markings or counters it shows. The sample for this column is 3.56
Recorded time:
9.15
